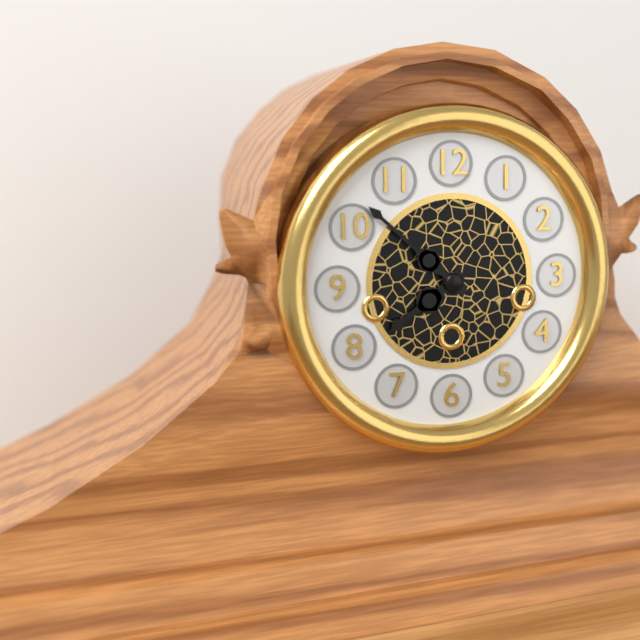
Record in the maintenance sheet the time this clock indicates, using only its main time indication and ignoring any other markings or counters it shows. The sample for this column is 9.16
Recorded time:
7.52
